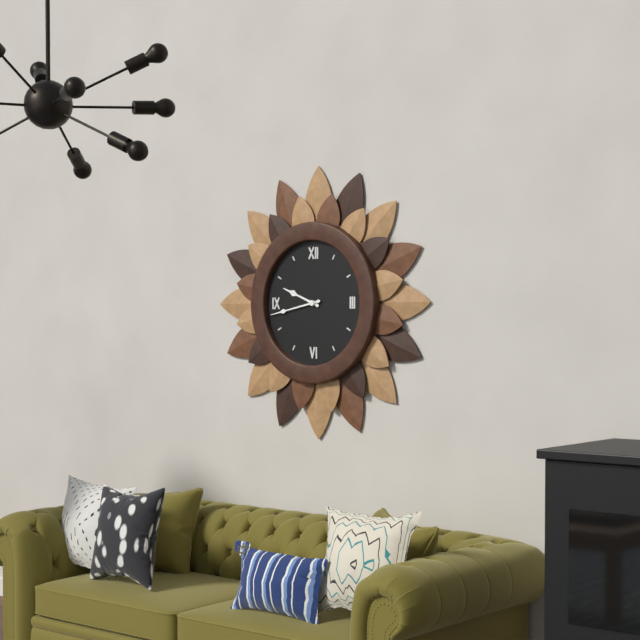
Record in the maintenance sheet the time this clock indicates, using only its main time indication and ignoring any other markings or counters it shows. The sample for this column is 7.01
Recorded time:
9.43
